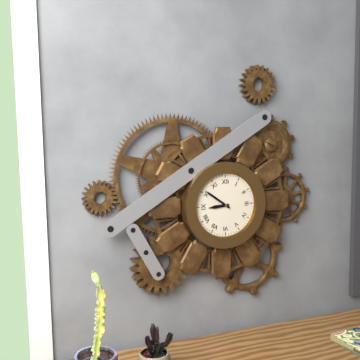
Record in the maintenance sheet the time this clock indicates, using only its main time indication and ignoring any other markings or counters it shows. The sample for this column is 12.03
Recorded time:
8.51
